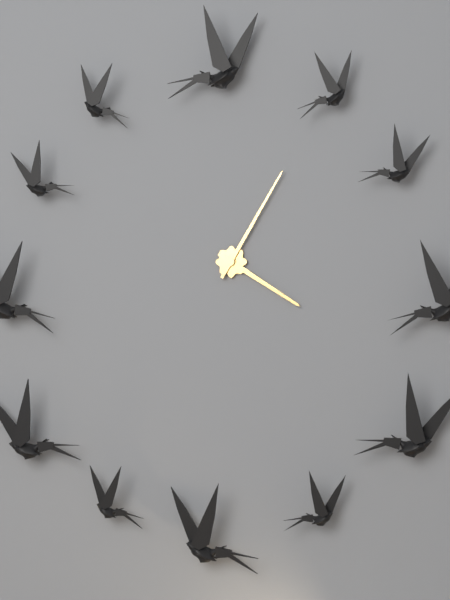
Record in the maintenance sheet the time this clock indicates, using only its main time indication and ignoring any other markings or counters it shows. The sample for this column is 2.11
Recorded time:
4.05
